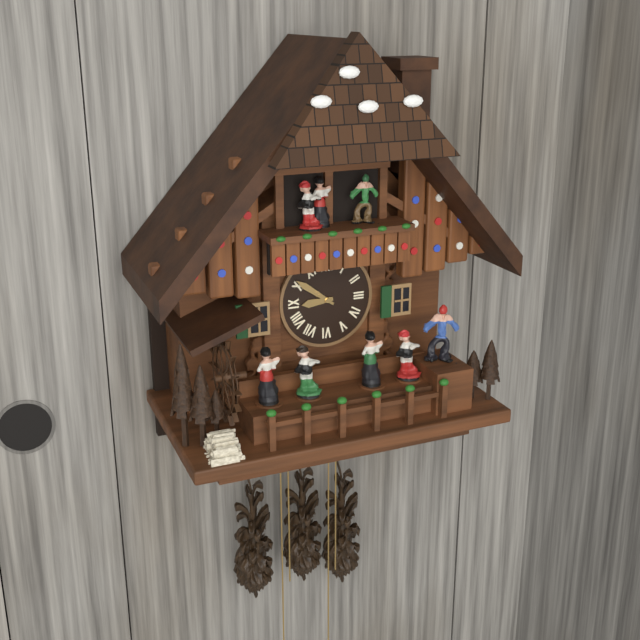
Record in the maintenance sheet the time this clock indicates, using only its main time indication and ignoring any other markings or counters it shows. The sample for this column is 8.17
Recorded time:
8.51
